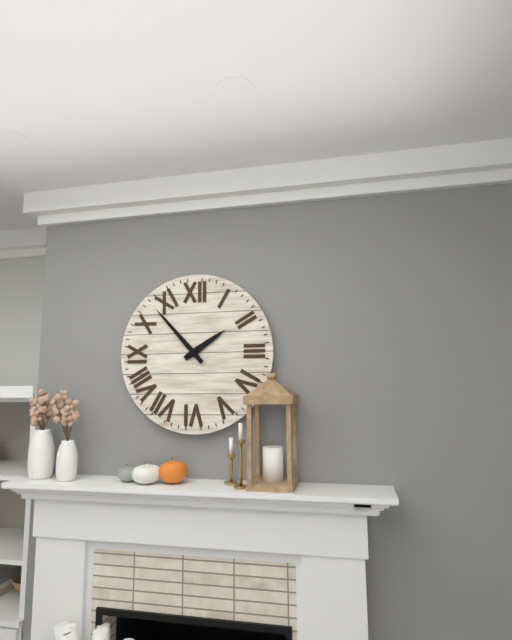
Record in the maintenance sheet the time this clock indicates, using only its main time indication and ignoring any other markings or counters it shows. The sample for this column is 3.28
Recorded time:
1.53
